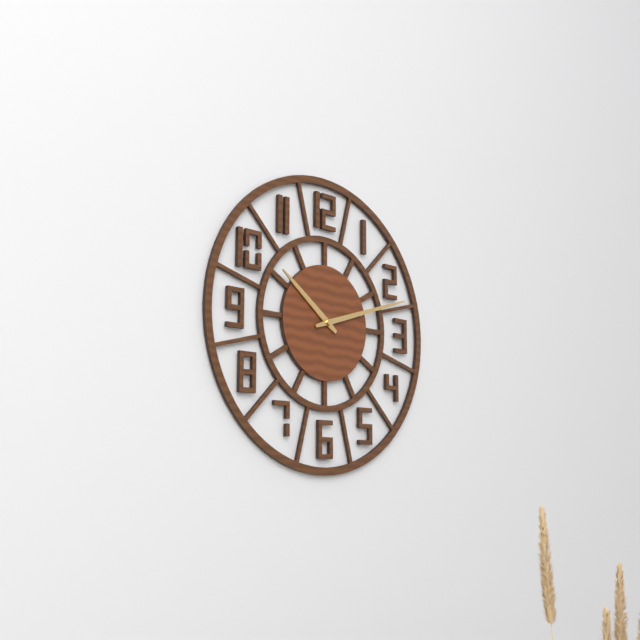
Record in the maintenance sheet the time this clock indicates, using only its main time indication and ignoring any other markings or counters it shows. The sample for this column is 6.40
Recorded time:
10.12
